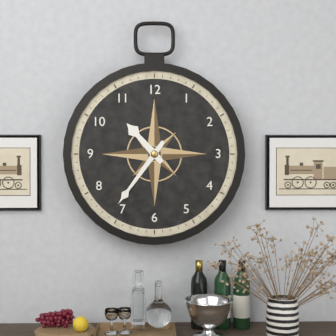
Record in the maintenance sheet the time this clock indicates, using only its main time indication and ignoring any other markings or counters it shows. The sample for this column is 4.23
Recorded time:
10.36
